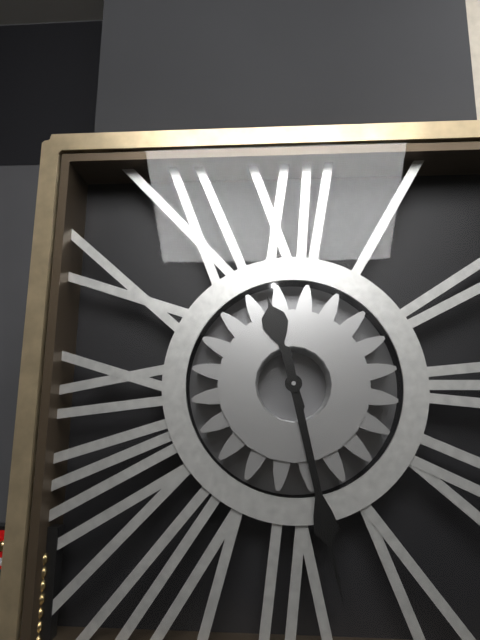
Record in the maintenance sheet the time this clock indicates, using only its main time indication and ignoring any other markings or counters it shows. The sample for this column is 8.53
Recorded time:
11.28
